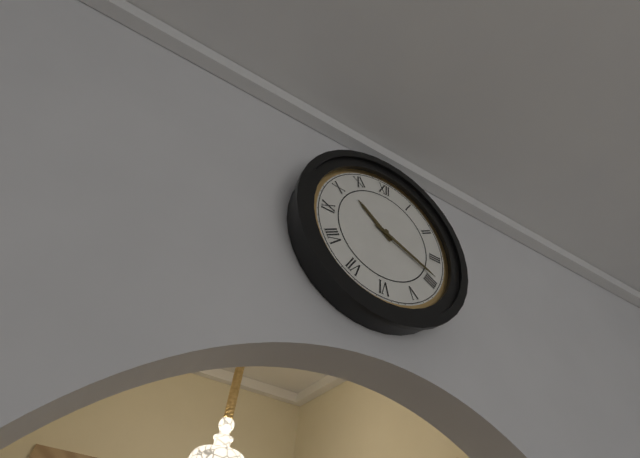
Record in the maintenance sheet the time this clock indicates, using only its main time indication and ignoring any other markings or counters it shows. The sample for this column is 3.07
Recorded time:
10.19
